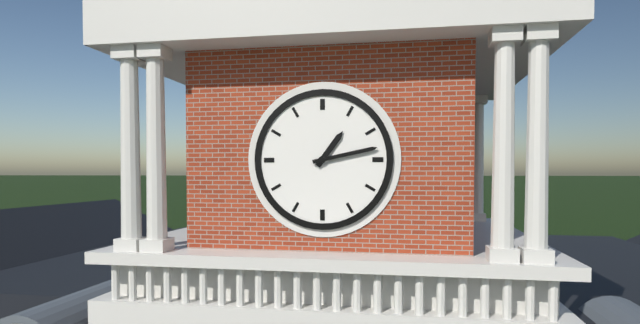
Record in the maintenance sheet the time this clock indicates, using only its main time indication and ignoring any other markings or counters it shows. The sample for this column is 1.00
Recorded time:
1.13
